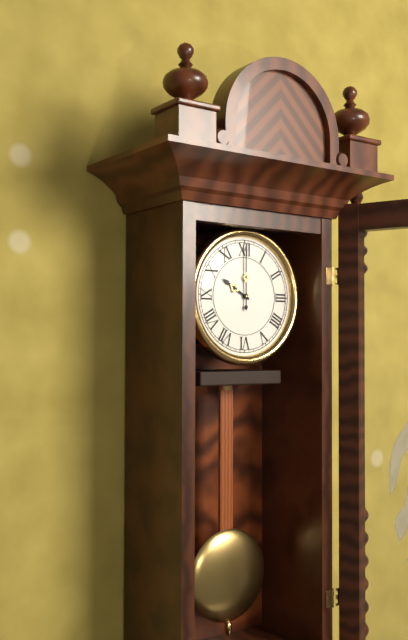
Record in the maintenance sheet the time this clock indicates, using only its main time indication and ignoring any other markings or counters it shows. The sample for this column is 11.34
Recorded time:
10.00
